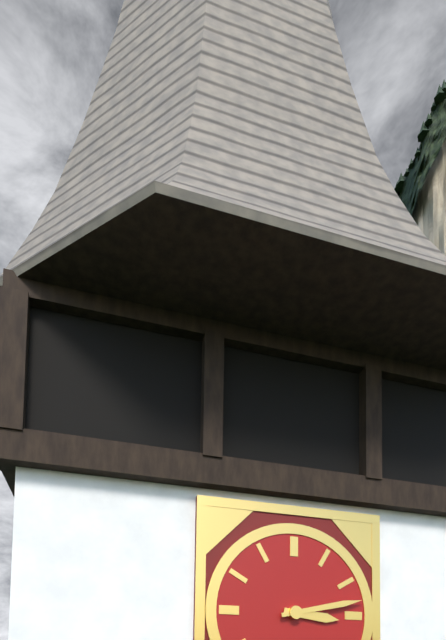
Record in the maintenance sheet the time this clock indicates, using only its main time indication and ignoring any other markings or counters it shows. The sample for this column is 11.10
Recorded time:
3.13
